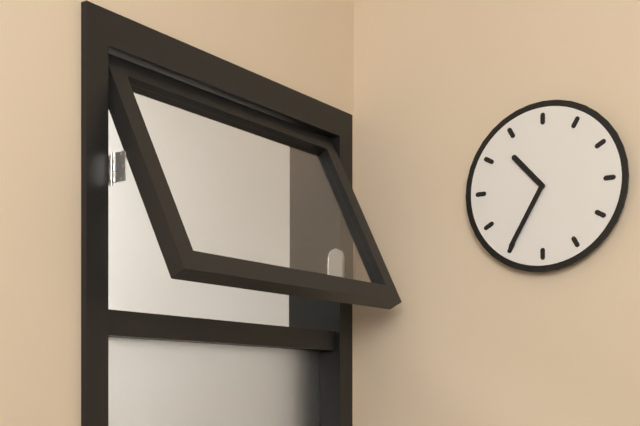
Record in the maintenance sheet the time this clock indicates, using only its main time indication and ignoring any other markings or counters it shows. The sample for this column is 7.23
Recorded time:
10.35
